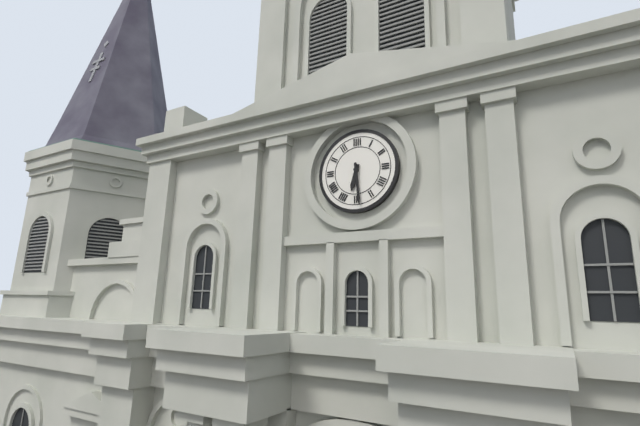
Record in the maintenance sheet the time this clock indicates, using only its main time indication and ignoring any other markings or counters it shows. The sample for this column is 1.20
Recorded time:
6.29
